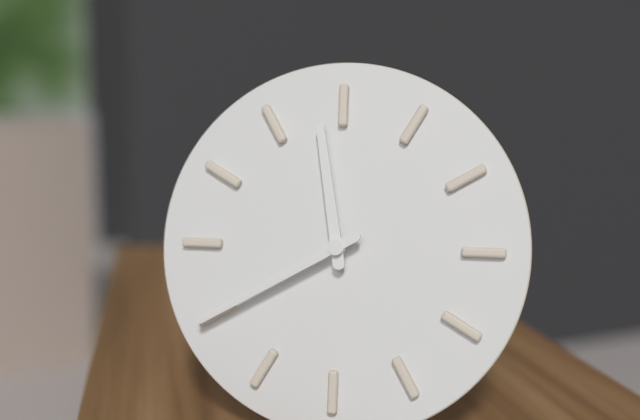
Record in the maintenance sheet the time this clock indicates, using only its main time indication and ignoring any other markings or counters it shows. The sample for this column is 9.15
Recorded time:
11.40
